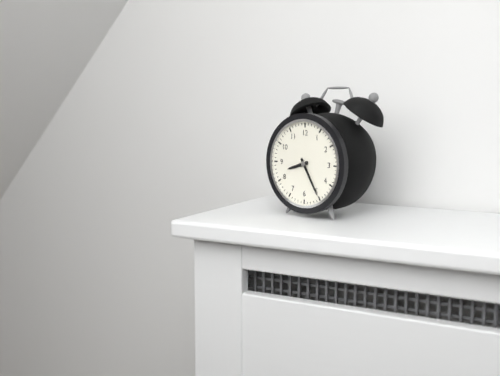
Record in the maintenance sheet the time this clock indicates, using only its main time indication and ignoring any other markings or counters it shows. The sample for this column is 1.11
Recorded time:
8.25
